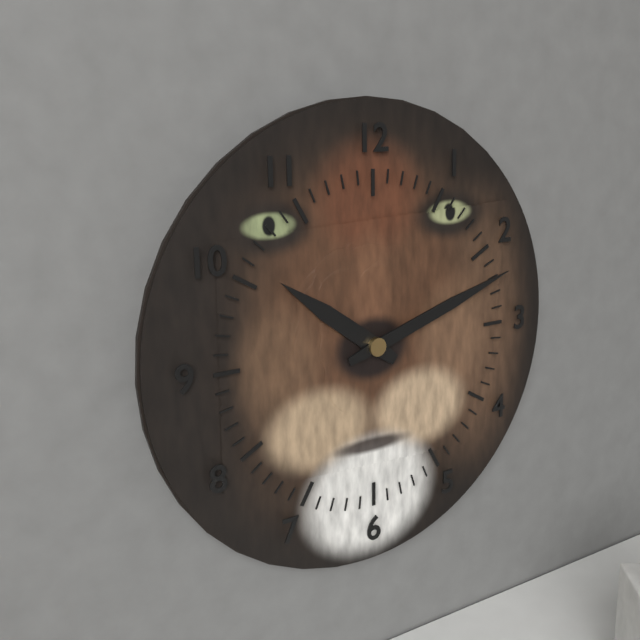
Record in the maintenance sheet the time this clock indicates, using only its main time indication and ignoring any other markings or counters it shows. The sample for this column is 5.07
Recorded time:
10.12
